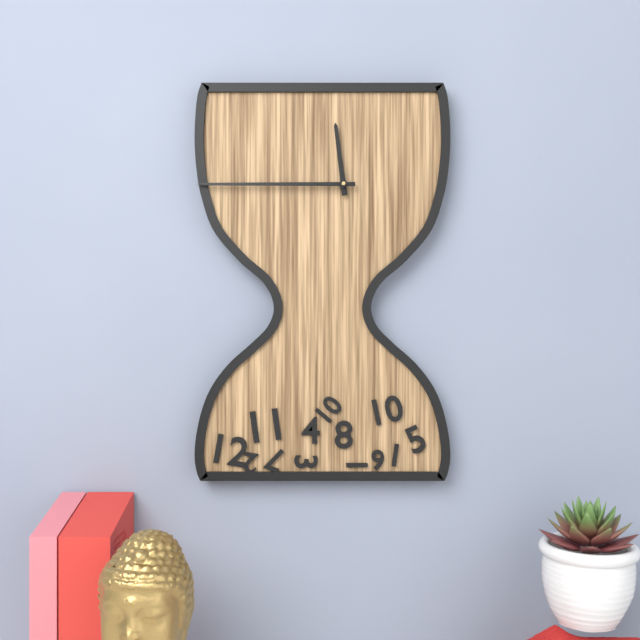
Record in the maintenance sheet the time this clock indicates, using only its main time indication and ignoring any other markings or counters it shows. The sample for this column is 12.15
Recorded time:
11.45
